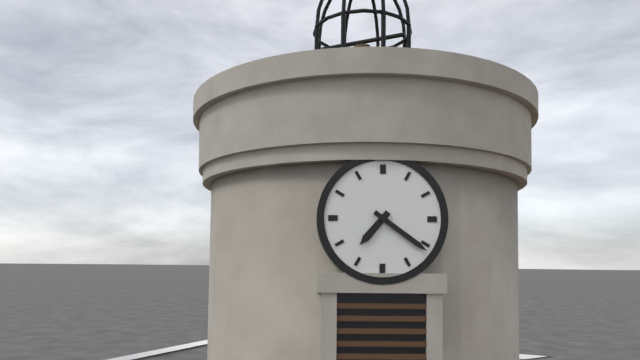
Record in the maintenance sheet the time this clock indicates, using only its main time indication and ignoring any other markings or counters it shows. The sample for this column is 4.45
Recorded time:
7.21
